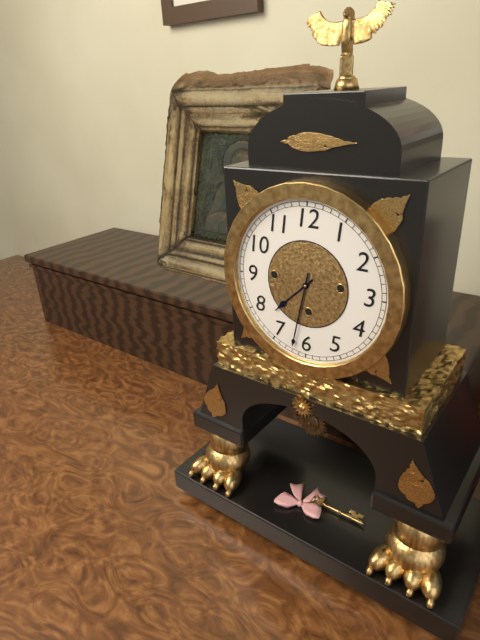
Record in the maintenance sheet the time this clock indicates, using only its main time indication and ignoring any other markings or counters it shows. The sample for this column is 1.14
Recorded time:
7.32
